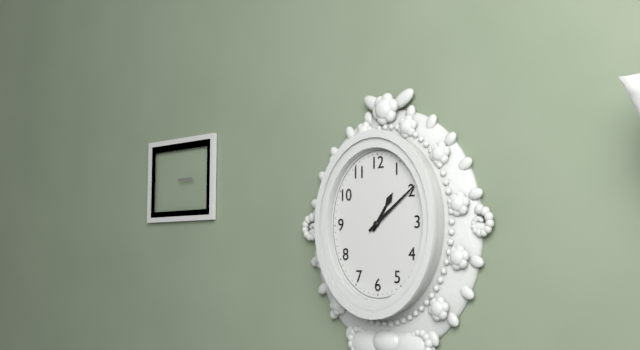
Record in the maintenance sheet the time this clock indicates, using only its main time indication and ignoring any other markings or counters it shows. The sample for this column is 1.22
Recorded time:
1.09
